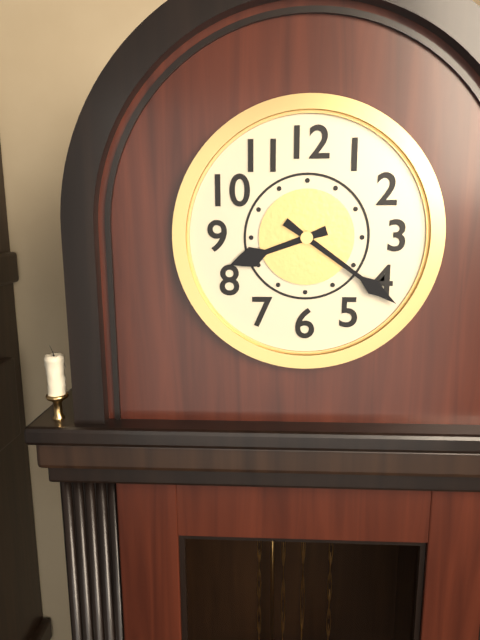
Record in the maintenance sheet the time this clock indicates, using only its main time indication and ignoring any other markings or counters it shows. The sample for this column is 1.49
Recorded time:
8.21
